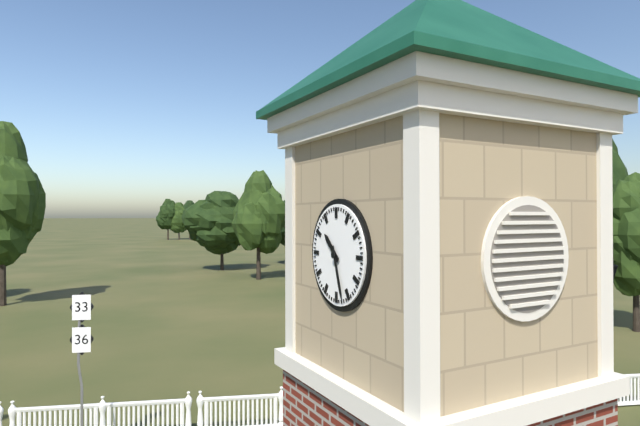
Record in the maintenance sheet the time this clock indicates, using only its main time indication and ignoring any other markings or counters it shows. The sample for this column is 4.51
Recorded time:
10.27
